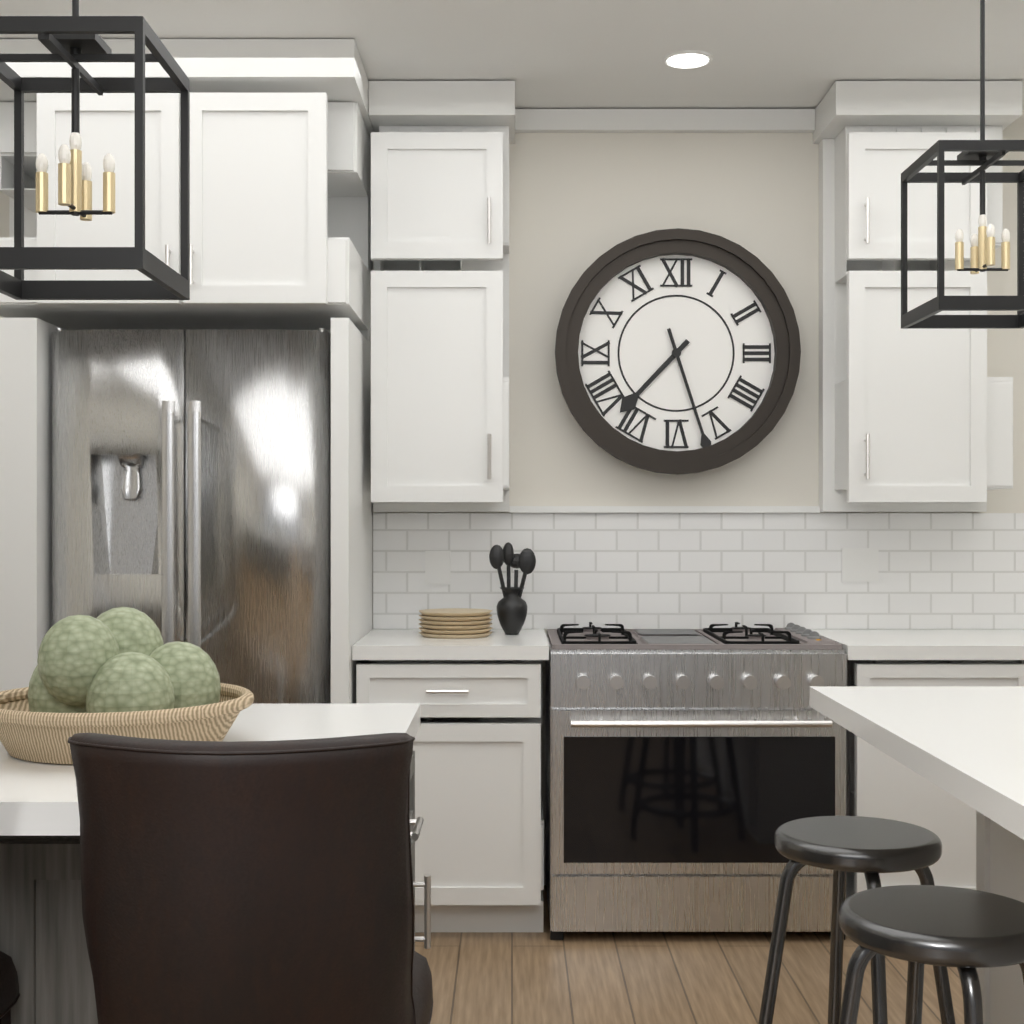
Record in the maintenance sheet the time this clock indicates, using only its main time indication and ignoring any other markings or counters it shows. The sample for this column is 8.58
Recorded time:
7.27
